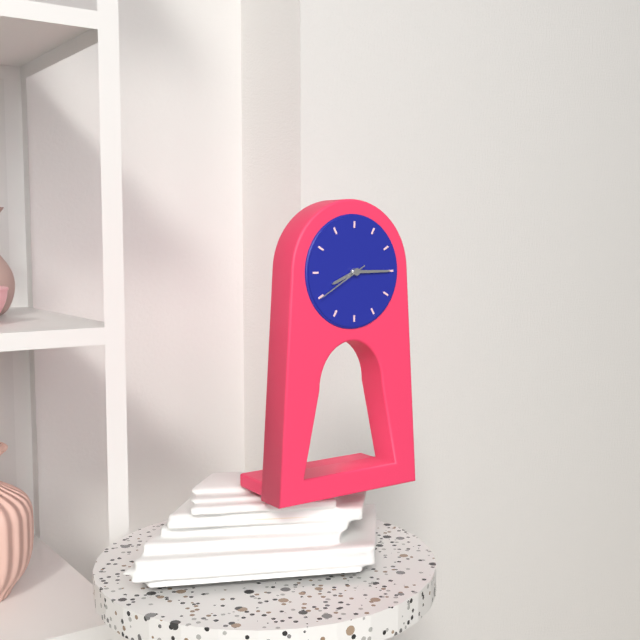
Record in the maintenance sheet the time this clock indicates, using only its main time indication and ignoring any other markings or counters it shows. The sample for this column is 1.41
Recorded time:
8.15
